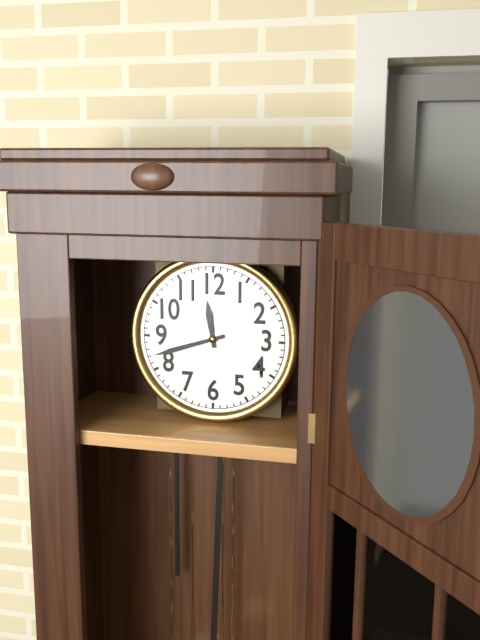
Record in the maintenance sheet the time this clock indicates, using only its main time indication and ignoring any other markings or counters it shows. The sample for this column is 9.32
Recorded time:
11.42
